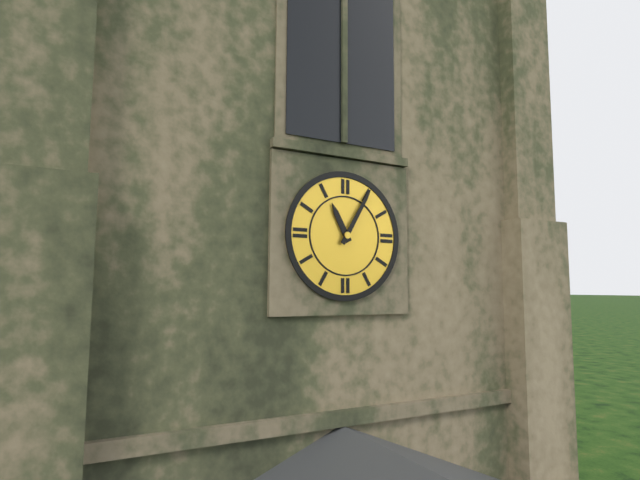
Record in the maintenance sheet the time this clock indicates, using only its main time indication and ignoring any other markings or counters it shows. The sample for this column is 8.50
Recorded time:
11.05
